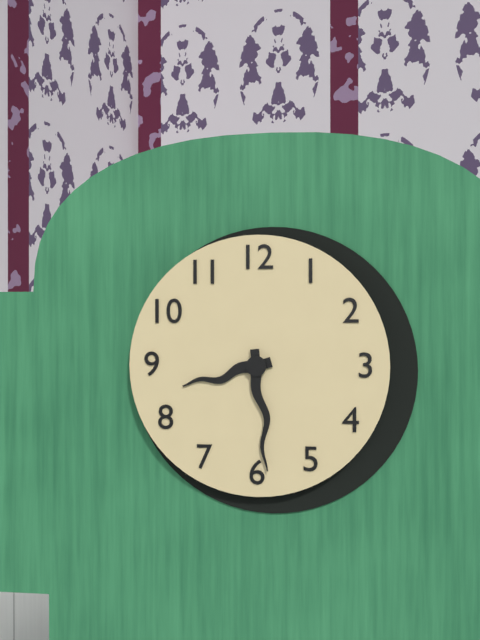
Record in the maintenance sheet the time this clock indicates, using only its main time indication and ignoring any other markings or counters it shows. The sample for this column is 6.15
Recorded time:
8.29
